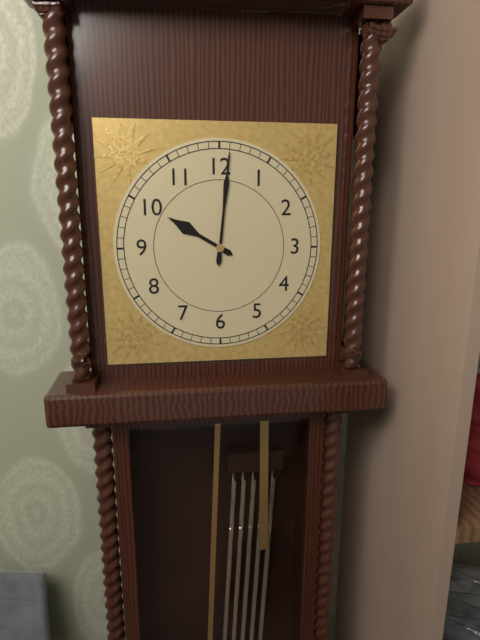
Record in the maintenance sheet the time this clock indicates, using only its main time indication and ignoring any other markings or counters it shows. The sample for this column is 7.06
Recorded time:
10.01
